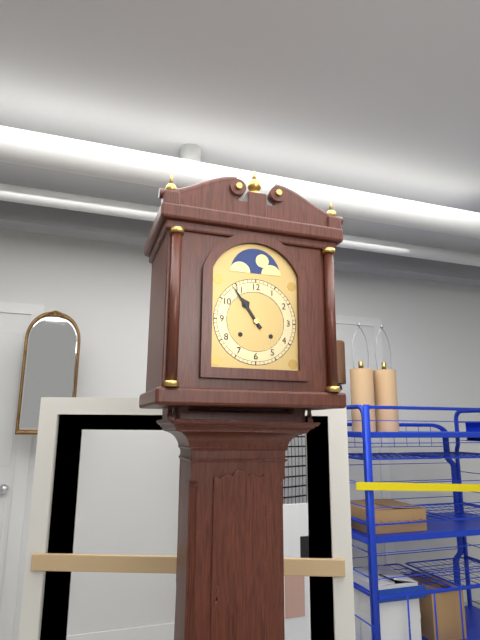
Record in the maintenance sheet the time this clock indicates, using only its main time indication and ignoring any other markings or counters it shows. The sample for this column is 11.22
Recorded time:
10.54
